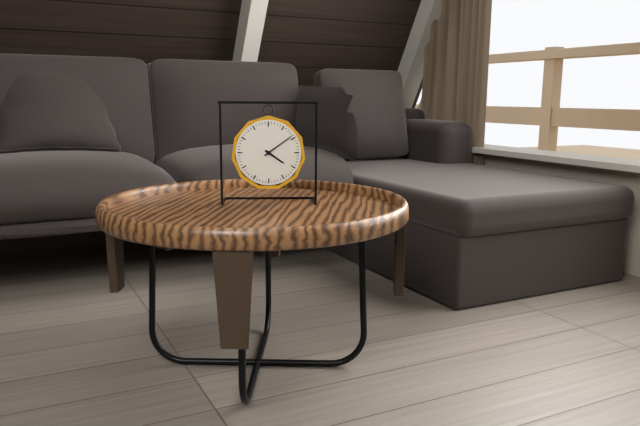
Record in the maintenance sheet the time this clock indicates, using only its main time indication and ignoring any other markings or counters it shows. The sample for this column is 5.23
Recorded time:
4.09
